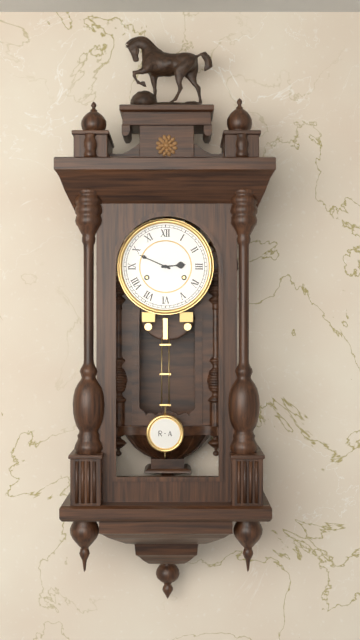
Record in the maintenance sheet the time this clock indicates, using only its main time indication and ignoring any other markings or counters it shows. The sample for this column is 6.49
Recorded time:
2.49
